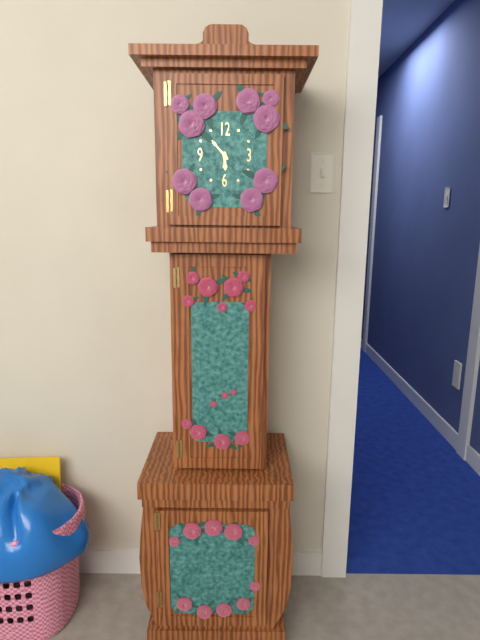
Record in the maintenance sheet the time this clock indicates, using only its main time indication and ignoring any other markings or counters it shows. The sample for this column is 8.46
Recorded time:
5.53
